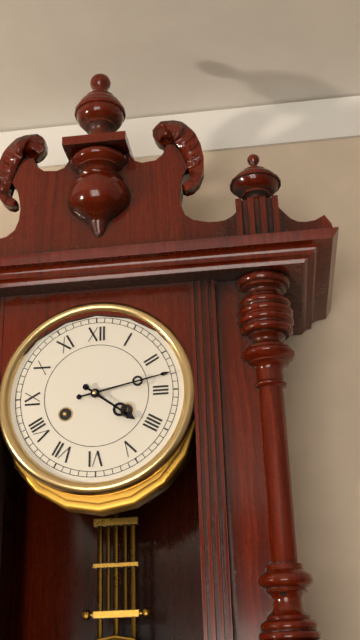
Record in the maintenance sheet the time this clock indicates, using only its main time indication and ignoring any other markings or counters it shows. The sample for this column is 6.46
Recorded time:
4.13
